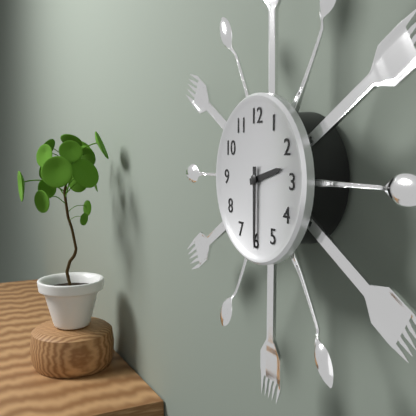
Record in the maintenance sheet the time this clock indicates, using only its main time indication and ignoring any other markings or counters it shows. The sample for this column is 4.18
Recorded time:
2.30
